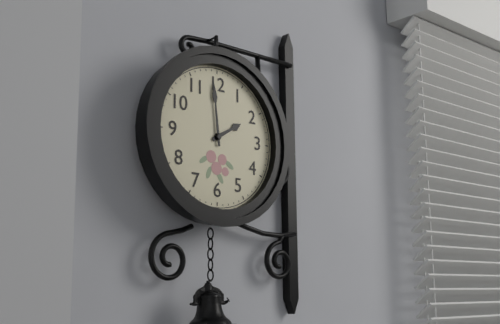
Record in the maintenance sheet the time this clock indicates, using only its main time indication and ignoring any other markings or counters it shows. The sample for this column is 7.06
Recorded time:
1.59
